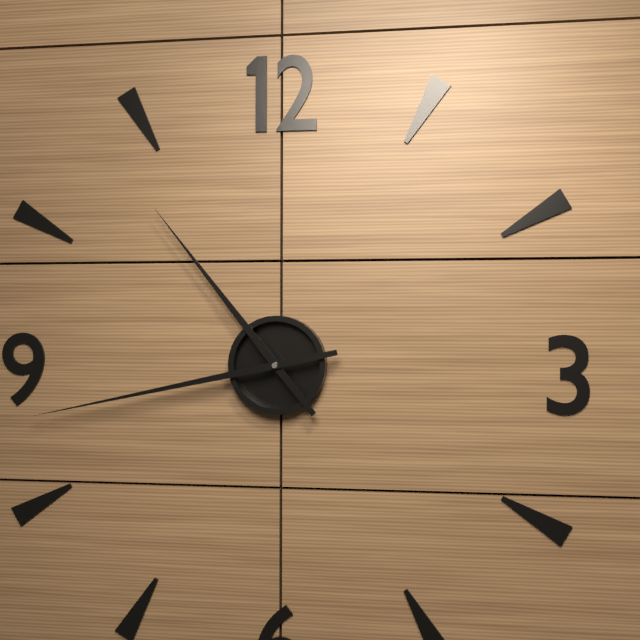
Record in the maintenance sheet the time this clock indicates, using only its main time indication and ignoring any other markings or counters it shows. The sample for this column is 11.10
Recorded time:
10.43
